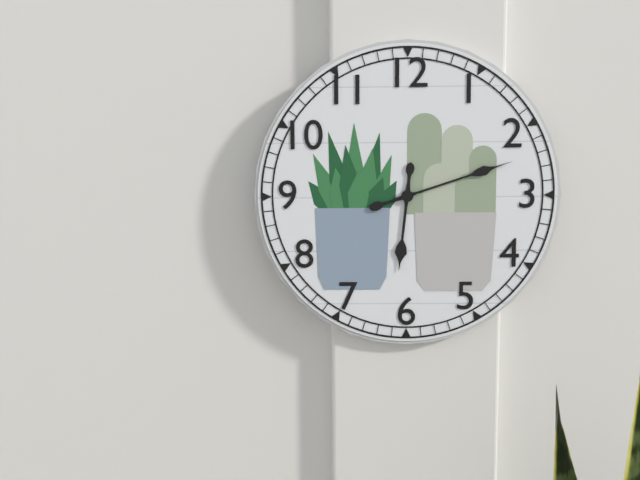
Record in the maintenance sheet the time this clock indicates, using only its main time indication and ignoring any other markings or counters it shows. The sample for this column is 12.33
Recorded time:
6.12
